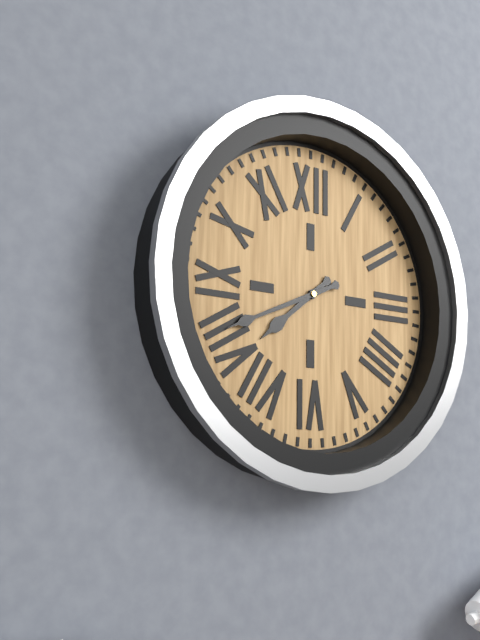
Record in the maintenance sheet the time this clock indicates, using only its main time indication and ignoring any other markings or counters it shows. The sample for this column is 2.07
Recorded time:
7.41
